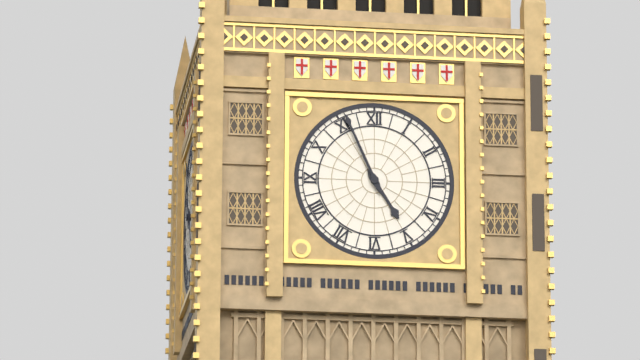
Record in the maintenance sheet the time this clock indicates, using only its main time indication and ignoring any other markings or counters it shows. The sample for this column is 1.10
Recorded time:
4.56
